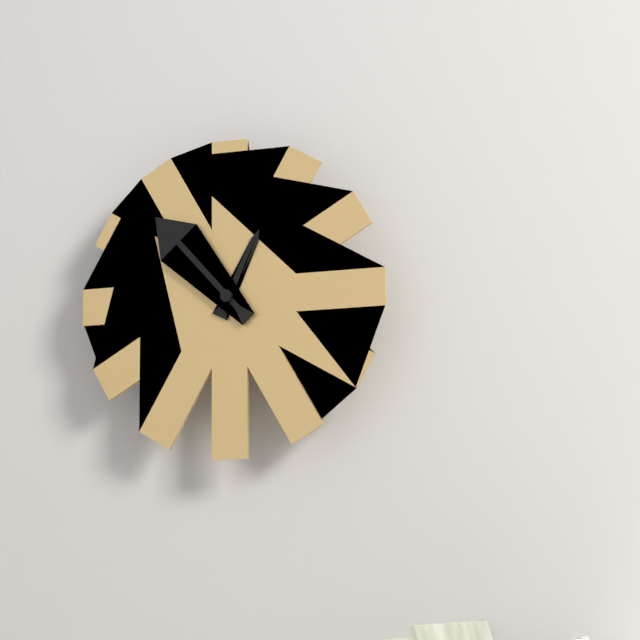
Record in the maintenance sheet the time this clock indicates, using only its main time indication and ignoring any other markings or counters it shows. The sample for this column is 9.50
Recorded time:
12.53
